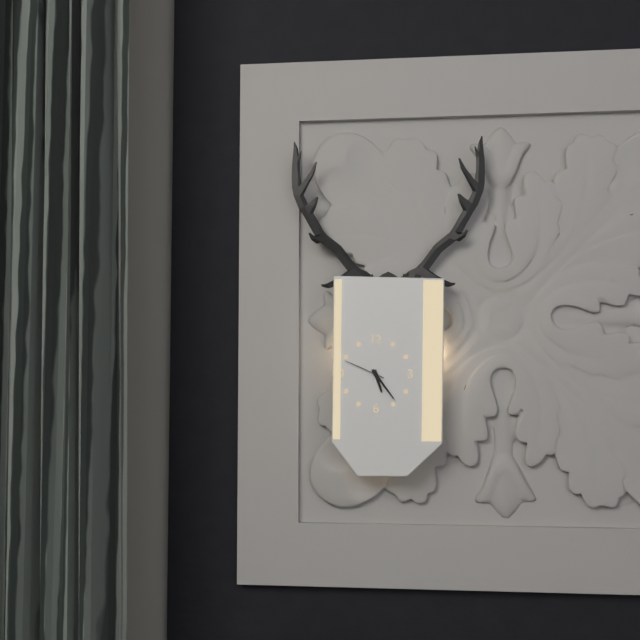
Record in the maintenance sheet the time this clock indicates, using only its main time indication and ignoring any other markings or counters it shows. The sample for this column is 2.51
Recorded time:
5.24
